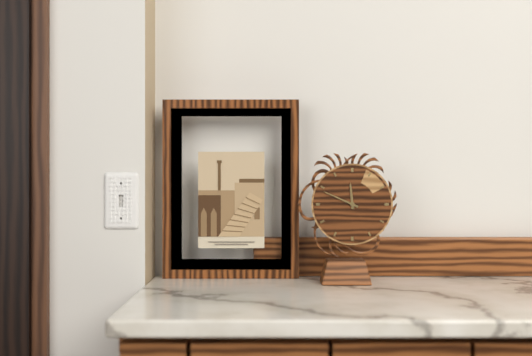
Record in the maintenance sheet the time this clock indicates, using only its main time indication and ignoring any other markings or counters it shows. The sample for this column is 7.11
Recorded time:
11.49
